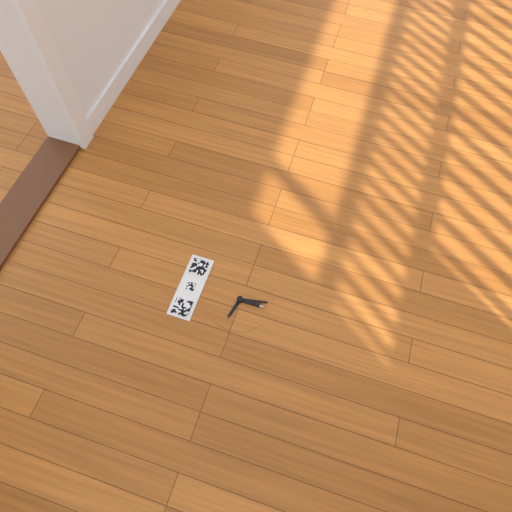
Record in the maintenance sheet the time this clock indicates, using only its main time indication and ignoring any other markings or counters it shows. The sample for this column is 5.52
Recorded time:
9.28
